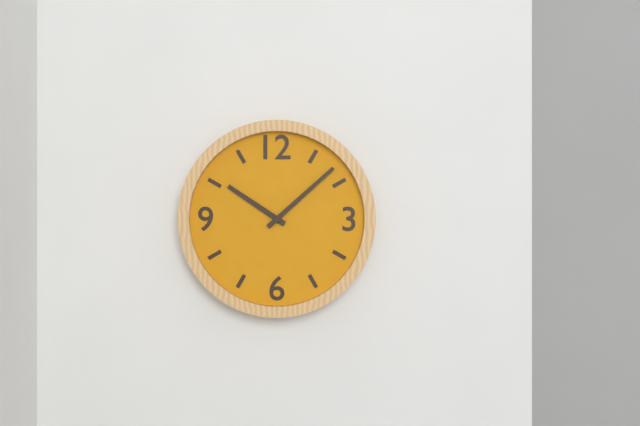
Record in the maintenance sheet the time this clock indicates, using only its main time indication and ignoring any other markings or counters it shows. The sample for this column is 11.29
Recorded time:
10.08
